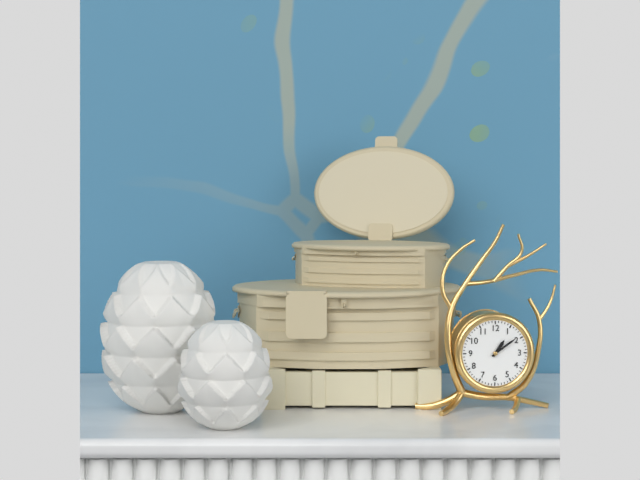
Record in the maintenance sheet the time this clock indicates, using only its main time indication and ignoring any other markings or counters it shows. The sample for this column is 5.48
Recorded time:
1.09
